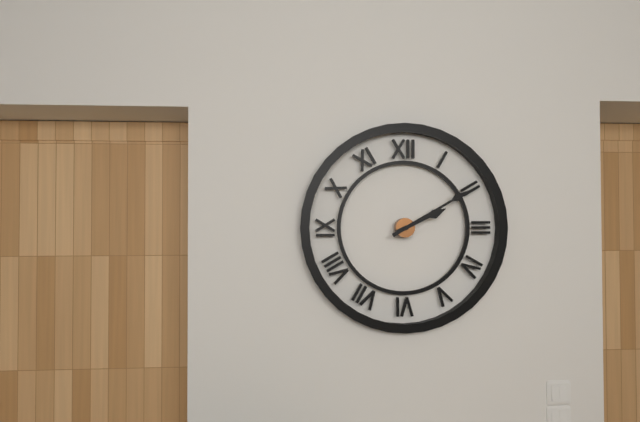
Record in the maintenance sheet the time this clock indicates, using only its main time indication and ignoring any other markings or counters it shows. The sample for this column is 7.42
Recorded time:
2.10
